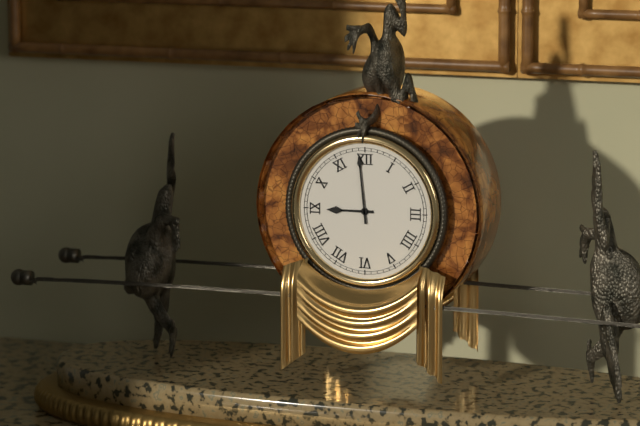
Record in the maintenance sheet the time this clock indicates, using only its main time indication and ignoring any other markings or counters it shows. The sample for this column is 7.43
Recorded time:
8.59
